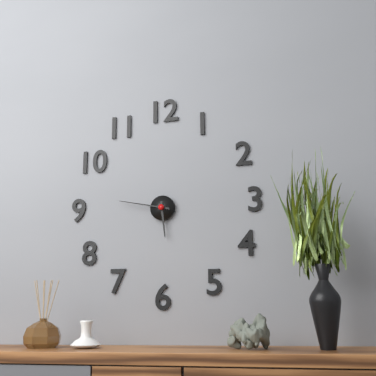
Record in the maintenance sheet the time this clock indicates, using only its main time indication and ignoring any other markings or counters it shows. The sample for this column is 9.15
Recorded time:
5.47
